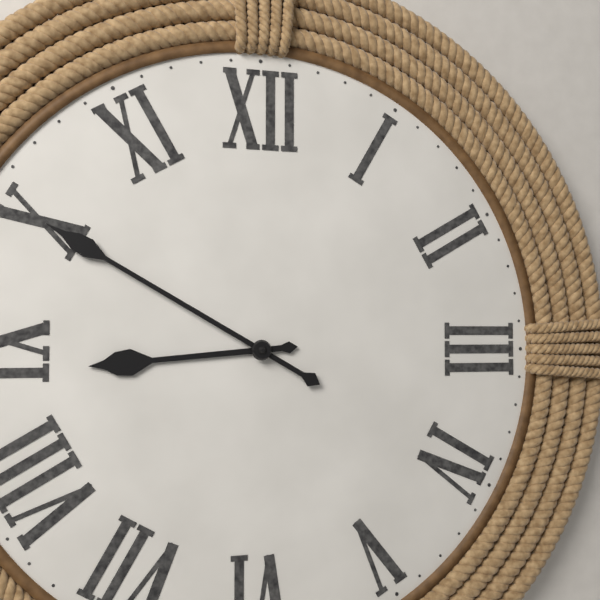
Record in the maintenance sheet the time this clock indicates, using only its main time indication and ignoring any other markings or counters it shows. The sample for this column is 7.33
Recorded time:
8.50
